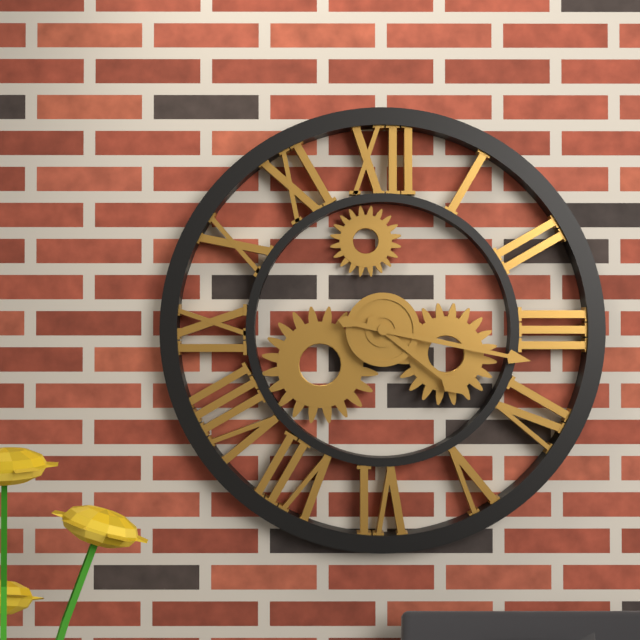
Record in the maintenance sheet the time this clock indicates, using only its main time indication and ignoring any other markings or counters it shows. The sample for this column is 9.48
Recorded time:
4.17
